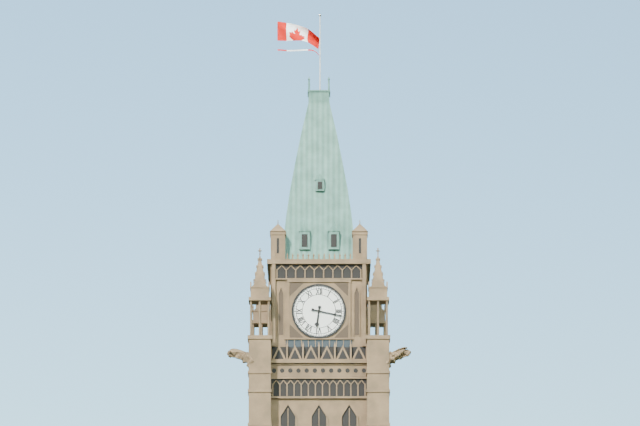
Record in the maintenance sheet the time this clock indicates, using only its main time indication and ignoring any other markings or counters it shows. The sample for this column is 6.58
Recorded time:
6.17
